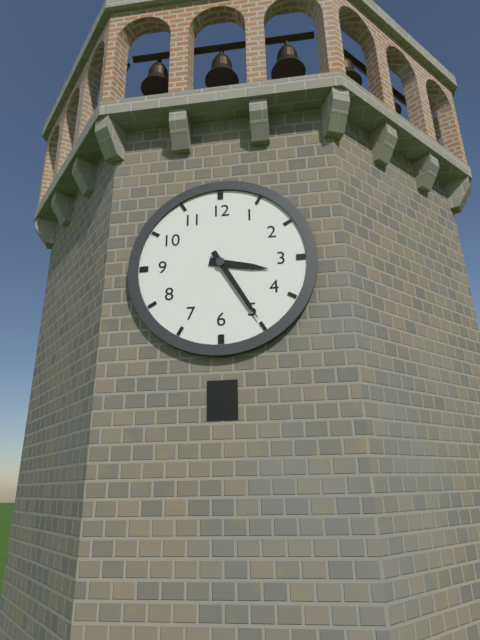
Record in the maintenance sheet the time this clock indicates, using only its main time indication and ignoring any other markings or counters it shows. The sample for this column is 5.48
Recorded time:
3.25
